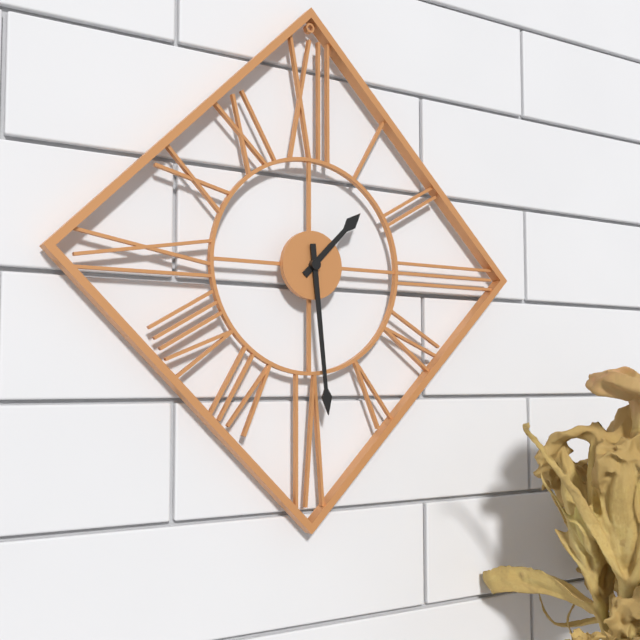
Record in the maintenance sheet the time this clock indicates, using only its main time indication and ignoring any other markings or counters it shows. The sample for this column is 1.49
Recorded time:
1.29
